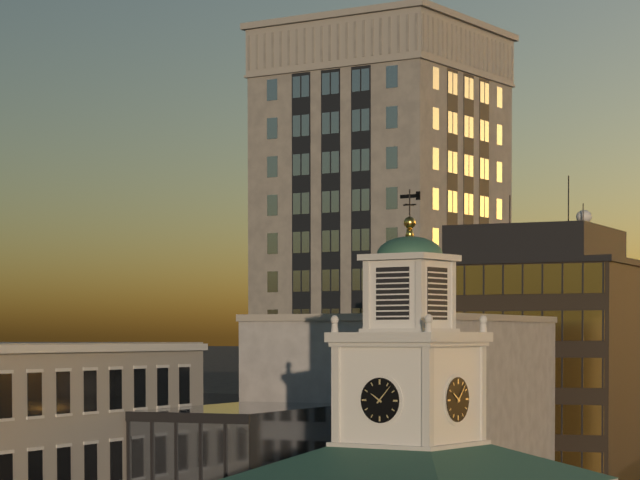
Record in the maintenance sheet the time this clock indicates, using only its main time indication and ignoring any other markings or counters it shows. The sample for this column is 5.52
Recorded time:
10.07
